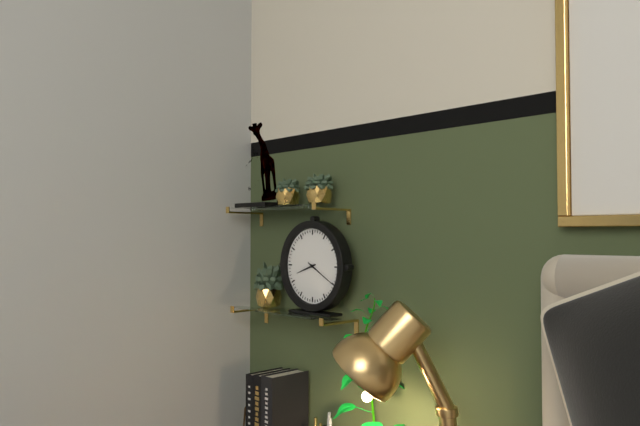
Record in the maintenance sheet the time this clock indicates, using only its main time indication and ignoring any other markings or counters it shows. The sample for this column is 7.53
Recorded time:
8.20
